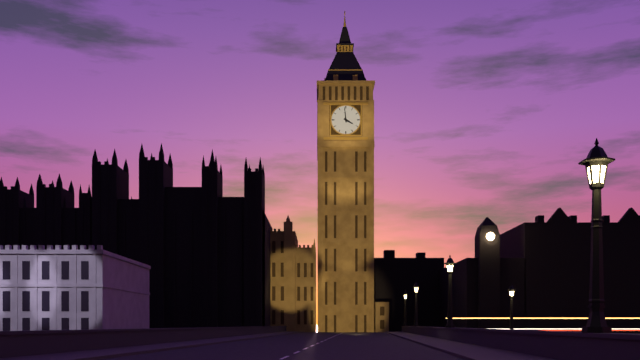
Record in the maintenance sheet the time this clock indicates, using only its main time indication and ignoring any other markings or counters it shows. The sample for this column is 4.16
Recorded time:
3.59
